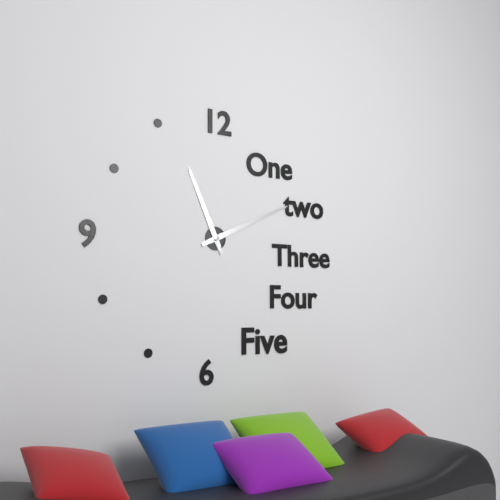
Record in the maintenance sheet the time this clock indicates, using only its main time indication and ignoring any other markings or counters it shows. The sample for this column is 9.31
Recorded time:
11.11
